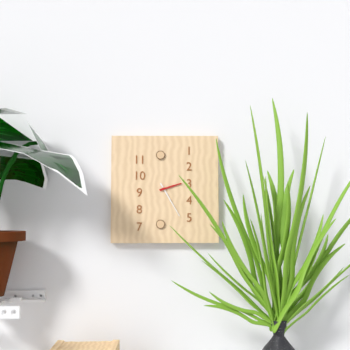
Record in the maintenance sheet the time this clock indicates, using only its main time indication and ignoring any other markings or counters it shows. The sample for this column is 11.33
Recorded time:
2.25
